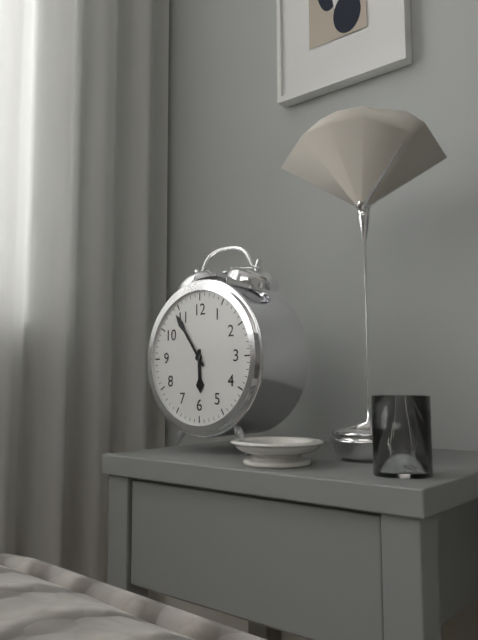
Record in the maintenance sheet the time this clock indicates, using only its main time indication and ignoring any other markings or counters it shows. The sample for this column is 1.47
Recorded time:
5.54
